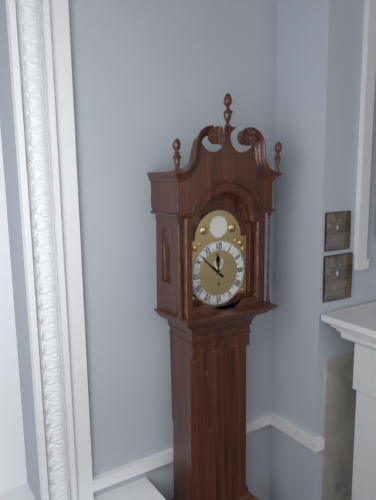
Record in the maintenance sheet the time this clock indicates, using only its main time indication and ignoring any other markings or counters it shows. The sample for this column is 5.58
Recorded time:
11.52
